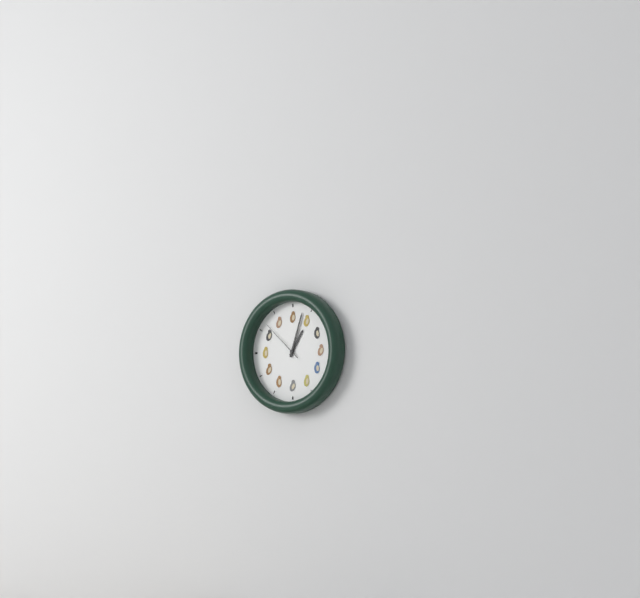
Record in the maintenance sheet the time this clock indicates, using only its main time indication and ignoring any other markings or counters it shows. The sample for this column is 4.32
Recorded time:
1.03
